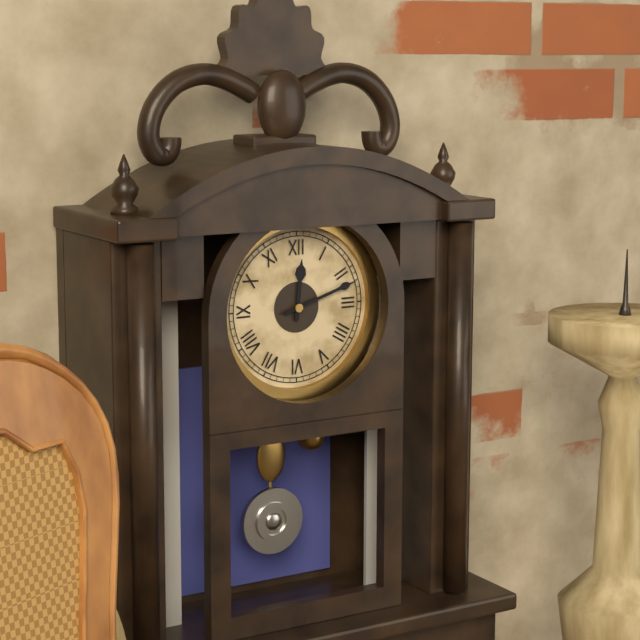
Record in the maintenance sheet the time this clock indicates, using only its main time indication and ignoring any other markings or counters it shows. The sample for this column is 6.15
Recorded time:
12.12
